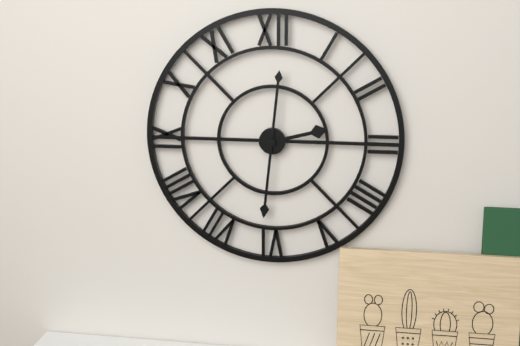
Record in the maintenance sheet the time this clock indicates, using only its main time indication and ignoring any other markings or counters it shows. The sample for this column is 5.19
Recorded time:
2.31
